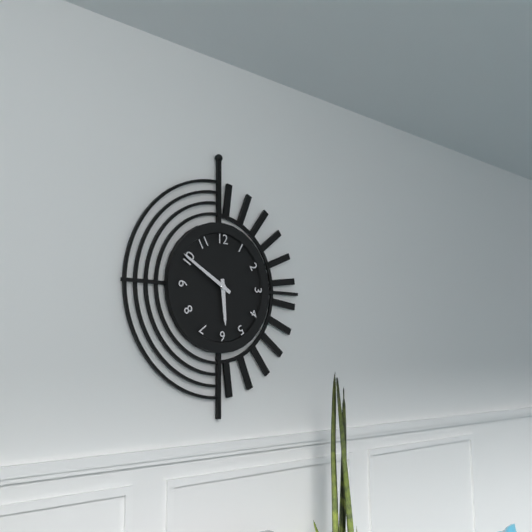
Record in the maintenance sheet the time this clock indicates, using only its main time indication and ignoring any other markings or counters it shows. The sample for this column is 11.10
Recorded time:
5.50
